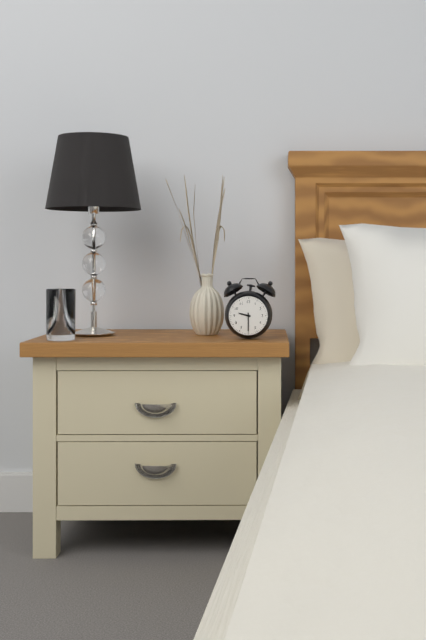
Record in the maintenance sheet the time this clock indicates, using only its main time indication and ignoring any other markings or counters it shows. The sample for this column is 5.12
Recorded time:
9.30
